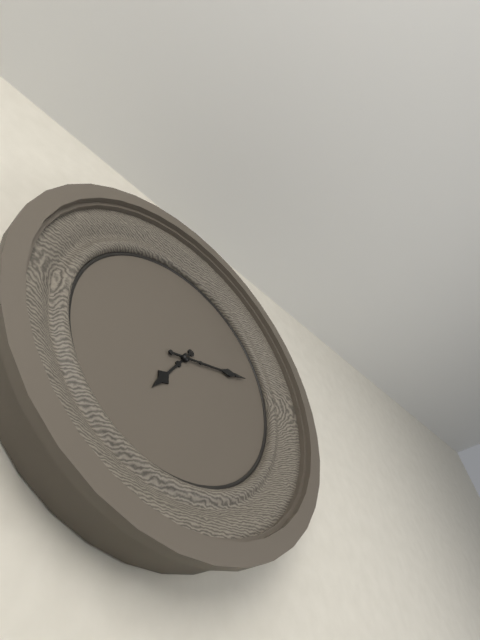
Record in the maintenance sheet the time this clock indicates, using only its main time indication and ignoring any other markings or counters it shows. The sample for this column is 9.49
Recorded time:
7.13
